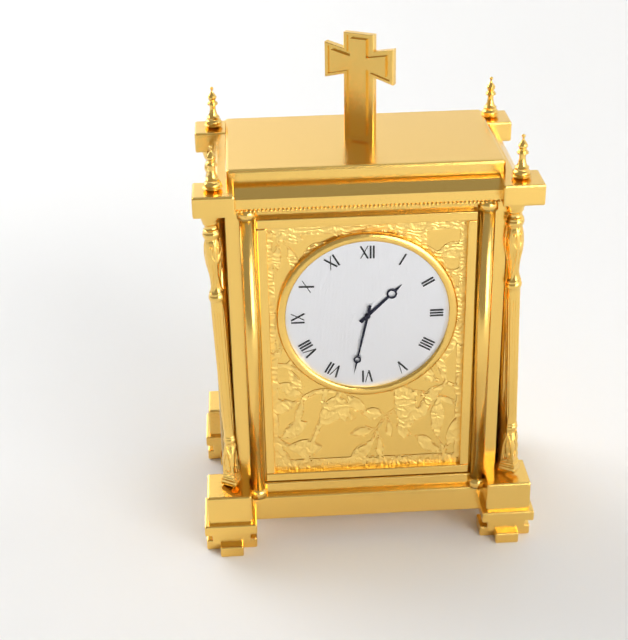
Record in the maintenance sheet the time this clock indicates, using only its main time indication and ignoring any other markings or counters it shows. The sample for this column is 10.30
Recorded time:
1.32
